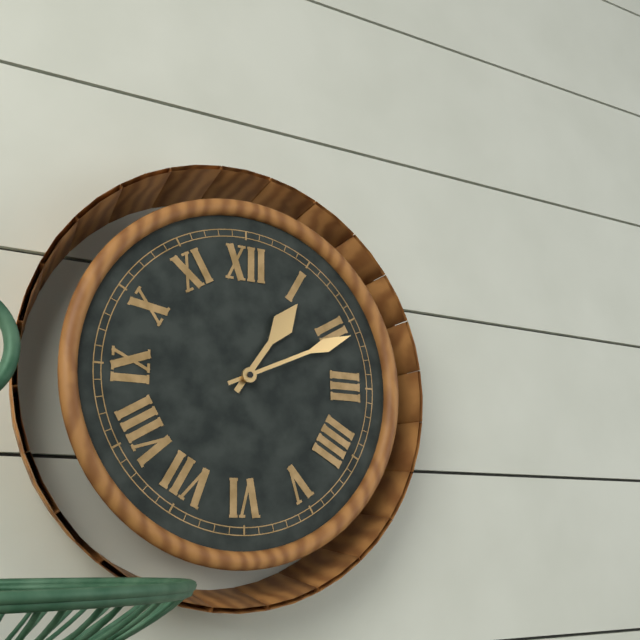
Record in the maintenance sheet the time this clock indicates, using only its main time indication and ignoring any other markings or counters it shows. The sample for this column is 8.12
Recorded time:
1.11
